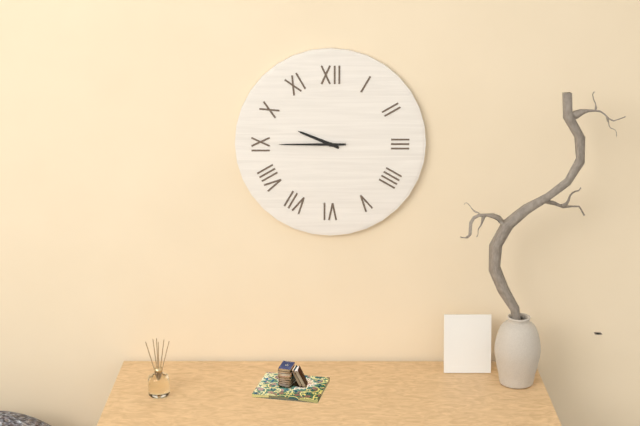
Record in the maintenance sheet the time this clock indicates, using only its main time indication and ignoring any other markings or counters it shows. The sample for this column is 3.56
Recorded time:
9.45
